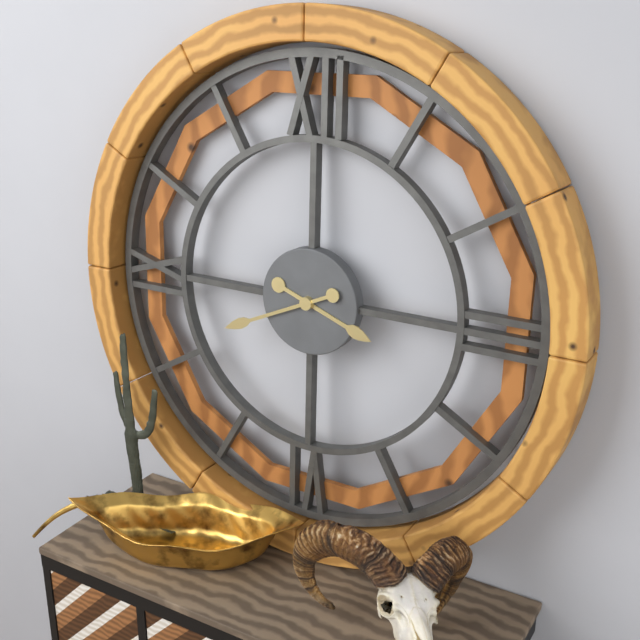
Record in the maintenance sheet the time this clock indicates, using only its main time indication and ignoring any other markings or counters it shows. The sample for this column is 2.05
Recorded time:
3.41
